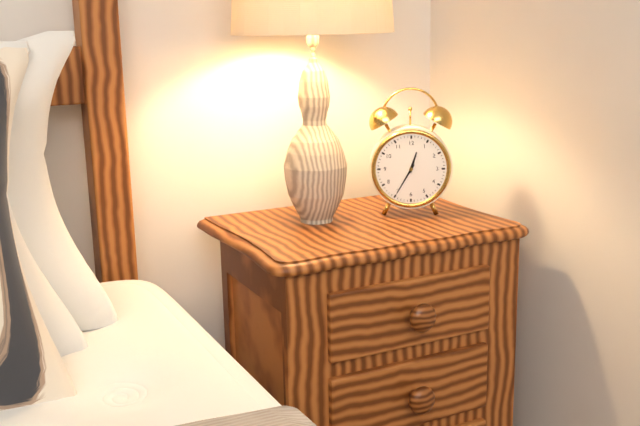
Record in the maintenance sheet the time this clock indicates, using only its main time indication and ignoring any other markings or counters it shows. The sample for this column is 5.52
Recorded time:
12.35
